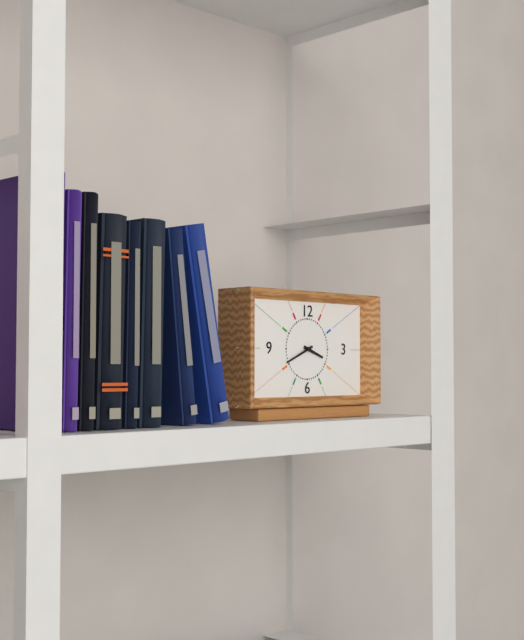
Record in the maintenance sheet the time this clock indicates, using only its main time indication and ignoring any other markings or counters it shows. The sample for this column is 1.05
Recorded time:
3.41
